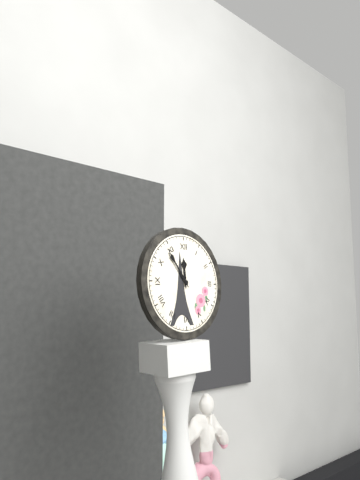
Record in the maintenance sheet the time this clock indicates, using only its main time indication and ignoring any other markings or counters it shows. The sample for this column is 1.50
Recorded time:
11.54
